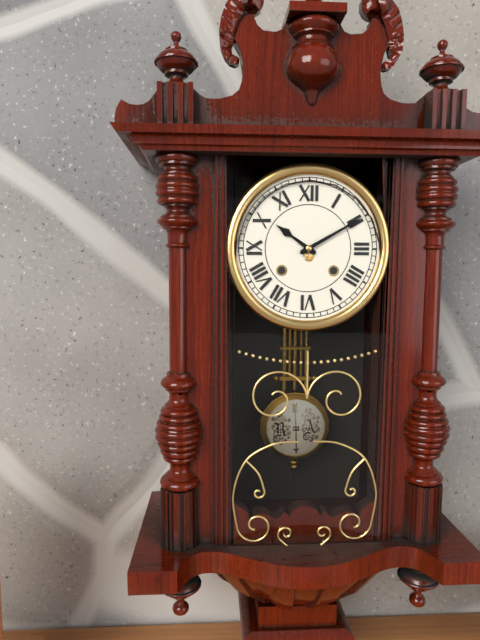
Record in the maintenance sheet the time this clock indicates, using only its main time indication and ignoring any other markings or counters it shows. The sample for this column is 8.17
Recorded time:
10.10
